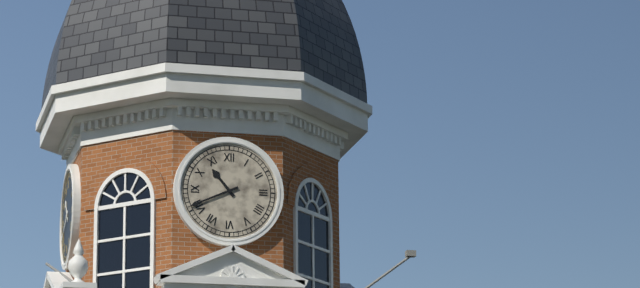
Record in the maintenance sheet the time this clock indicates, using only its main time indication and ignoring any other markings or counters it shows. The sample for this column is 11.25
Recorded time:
10.41
